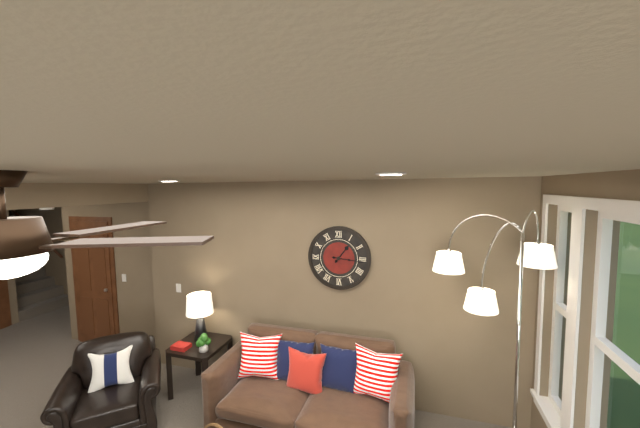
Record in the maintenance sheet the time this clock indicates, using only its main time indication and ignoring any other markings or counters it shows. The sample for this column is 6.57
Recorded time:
1.16
